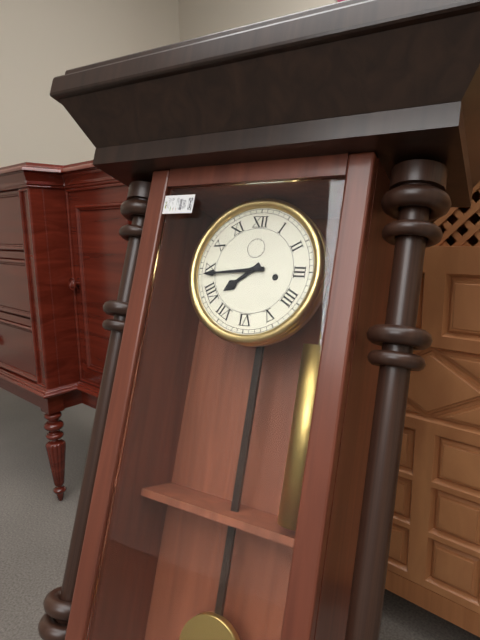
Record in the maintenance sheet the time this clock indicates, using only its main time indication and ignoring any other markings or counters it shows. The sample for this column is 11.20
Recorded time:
7.44
